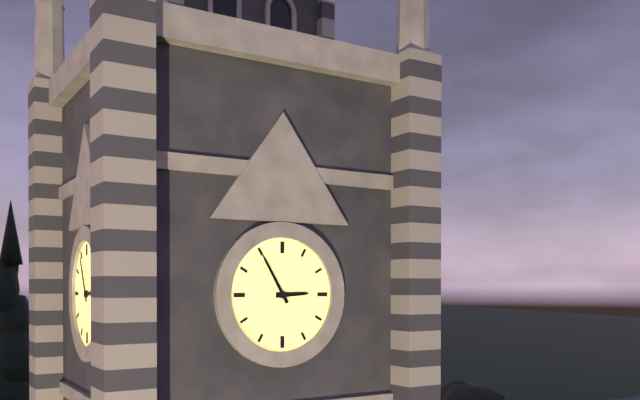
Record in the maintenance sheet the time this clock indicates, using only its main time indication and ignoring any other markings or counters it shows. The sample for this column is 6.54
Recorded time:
2.55
